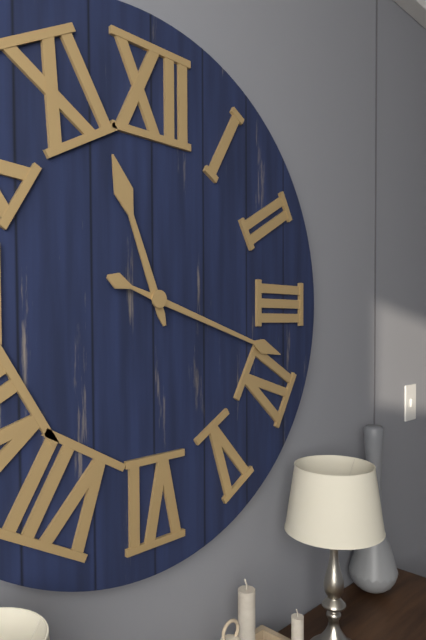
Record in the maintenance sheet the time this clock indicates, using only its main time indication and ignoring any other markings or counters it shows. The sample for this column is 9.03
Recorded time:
11.18
